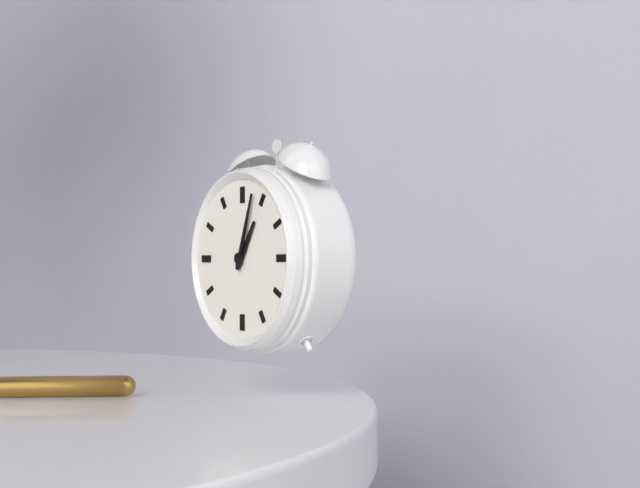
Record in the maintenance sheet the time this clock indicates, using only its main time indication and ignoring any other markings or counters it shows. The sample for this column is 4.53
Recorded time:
1.03
